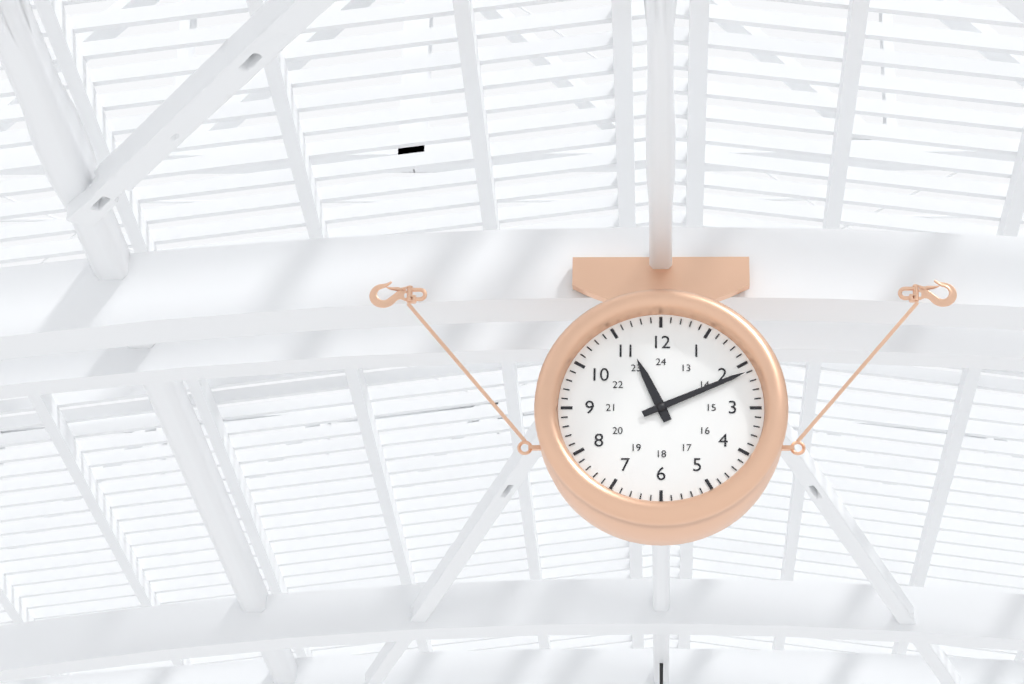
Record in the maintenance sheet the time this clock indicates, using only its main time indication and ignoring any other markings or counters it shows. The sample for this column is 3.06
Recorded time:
11.11
